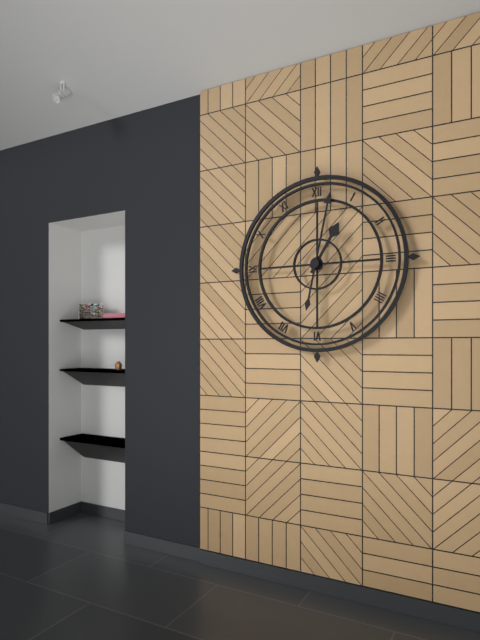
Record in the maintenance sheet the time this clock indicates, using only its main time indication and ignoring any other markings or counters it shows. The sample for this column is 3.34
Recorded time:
1.02
